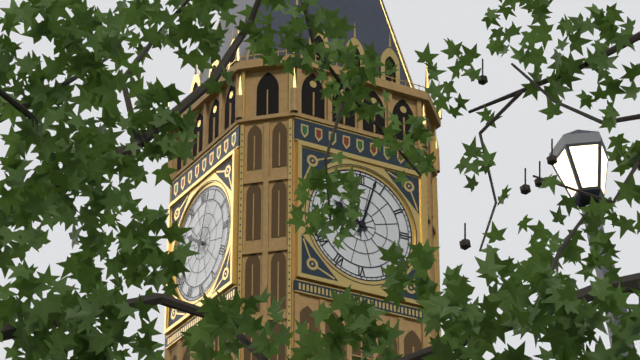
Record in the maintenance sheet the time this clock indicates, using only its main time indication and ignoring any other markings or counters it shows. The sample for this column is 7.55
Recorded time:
10.03
